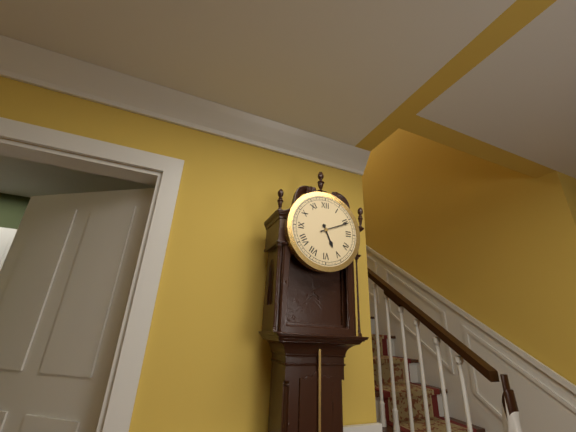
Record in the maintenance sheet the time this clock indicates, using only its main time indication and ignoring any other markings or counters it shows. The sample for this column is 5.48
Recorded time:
5.11
